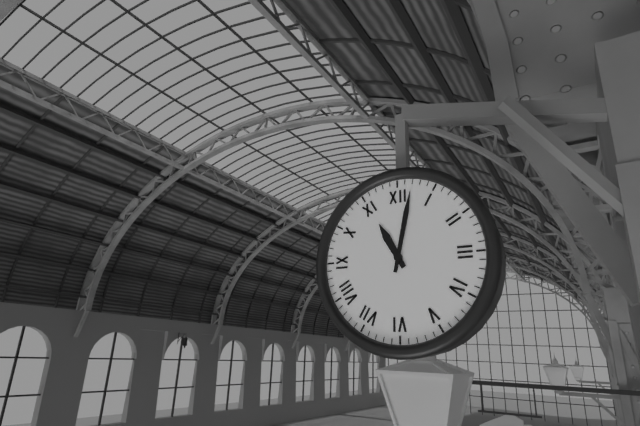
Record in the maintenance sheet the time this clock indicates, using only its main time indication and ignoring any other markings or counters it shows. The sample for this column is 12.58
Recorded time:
11.02
